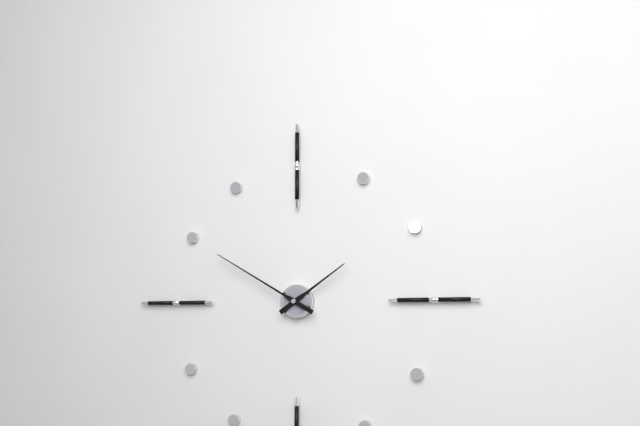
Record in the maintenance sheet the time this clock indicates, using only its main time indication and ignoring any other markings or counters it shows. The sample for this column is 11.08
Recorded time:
1.50
